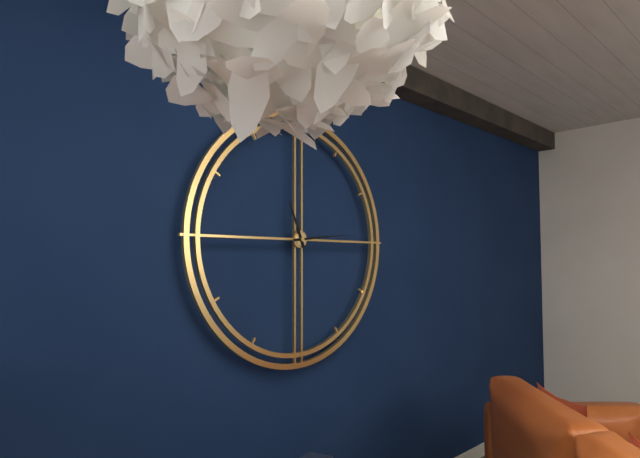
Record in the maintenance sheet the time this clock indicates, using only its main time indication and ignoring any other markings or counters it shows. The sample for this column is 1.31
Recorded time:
11.14
